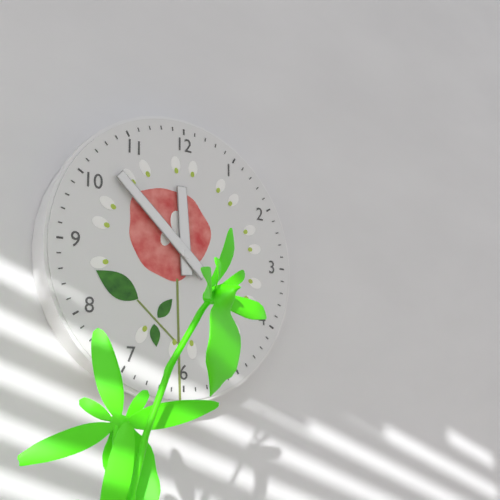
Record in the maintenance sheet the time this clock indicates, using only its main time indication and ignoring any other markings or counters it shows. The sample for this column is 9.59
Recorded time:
11.52
